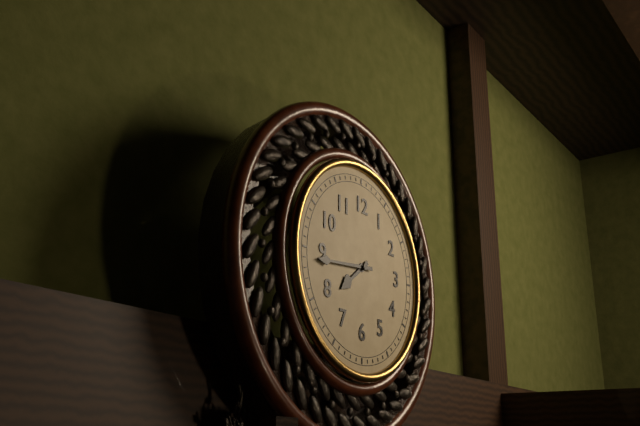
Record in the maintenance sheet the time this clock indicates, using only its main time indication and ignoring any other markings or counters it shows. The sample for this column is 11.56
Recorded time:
7.44
